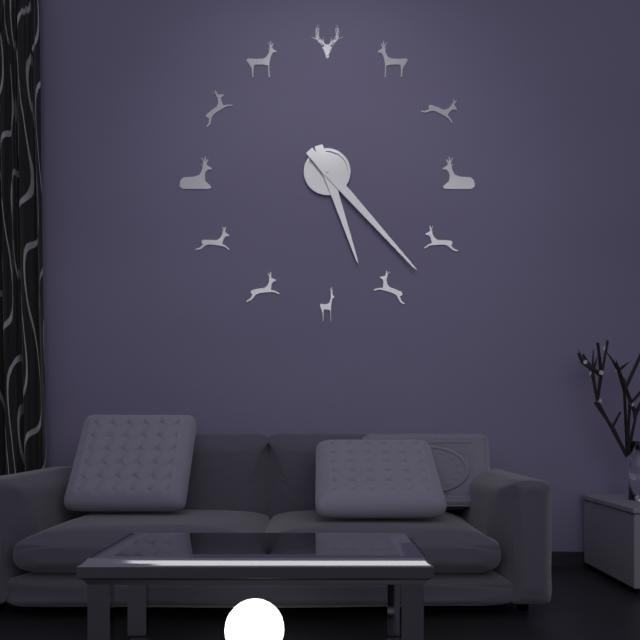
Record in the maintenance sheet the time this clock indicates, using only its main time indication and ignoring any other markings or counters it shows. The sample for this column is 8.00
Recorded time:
5.23
